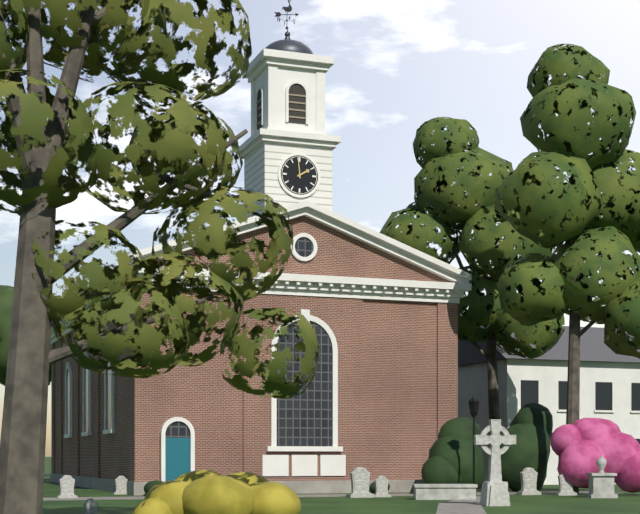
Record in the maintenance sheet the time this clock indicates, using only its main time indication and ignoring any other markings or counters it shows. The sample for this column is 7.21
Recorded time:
1.59
